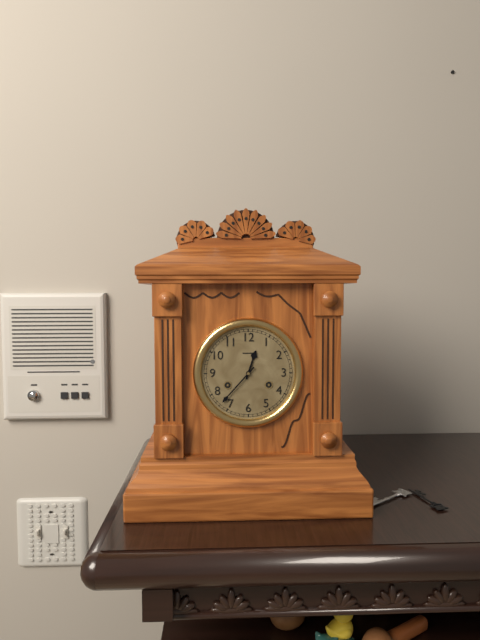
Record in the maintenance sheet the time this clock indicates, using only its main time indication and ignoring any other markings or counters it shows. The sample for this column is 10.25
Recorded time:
12.37
